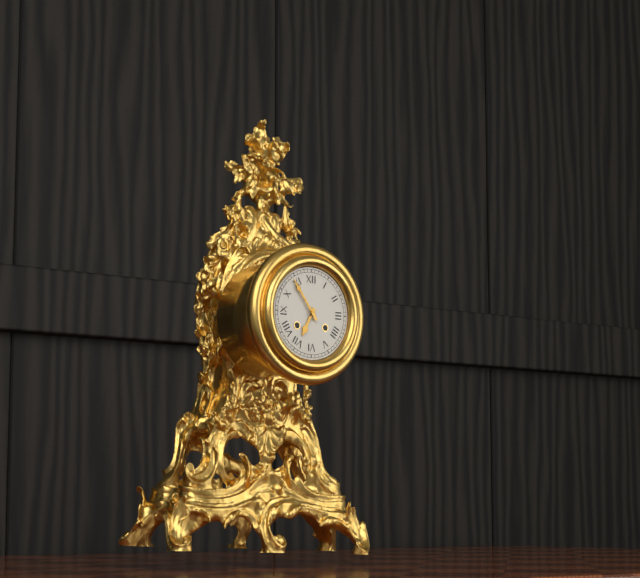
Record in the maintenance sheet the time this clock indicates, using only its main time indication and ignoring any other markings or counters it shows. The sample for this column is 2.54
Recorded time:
6.54
